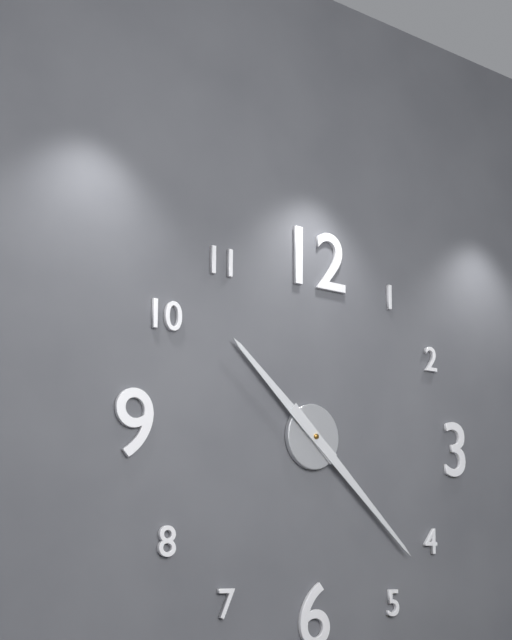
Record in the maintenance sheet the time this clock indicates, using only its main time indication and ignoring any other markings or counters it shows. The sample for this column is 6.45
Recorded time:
10.22
